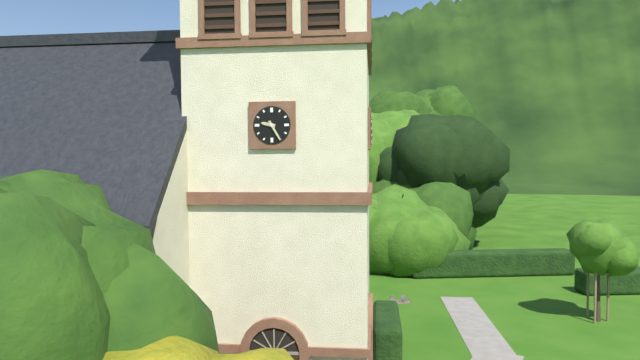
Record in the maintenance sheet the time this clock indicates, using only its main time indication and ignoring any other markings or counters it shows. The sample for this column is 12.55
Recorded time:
9.25
